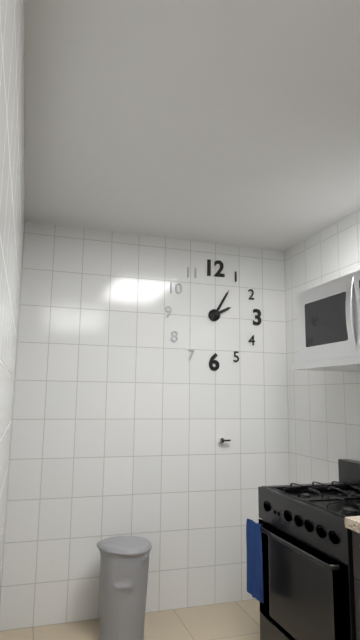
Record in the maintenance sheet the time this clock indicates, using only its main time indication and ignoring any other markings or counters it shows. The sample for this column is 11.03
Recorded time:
2.05
